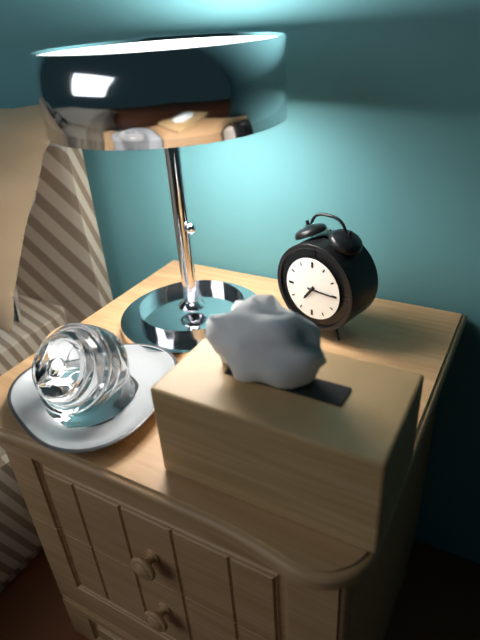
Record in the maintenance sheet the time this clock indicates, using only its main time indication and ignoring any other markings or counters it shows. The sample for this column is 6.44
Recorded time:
7.15
